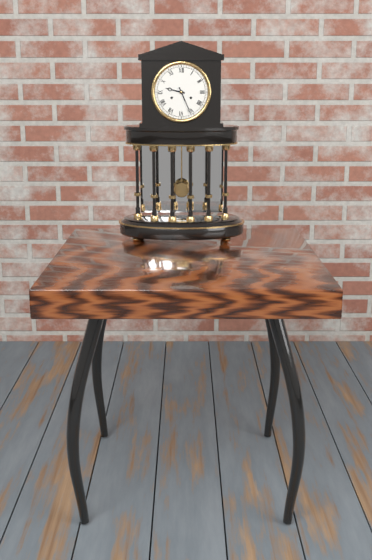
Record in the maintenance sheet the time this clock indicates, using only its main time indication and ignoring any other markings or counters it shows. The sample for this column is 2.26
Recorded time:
9.26
